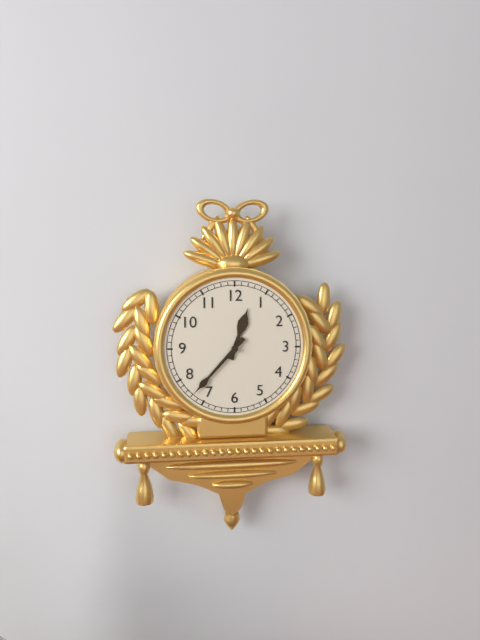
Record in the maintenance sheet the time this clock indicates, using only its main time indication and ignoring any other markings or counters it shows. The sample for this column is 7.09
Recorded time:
12.37
